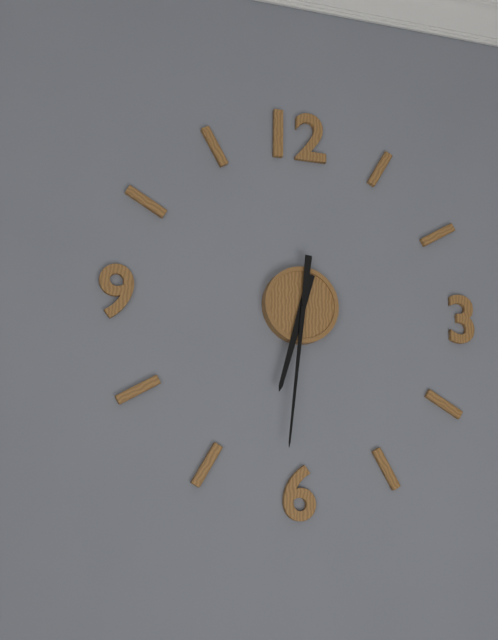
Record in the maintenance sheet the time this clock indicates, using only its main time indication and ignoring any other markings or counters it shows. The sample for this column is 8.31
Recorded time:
6.31
